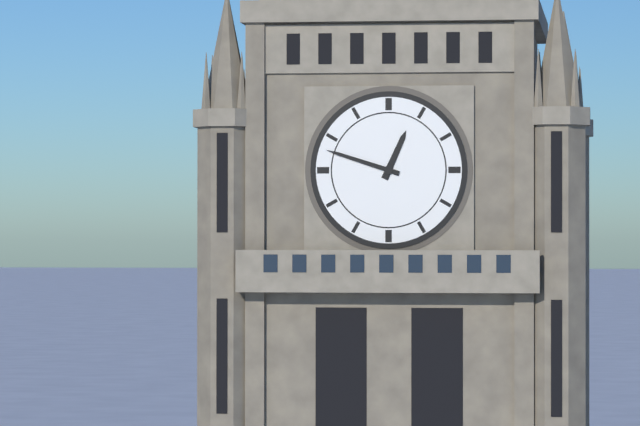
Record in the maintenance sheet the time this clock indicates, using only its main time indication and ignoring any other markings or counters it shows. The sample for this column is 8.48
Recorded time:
12.48
